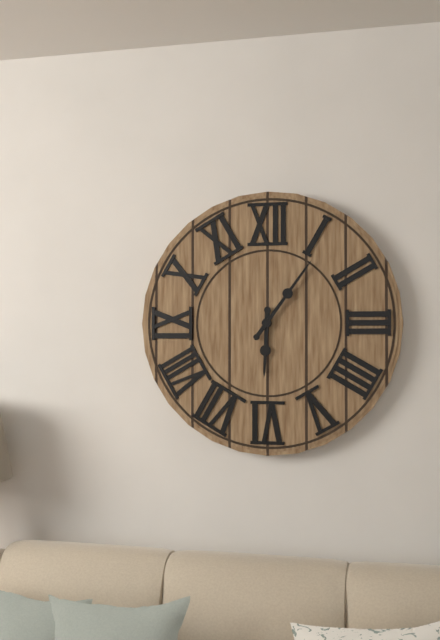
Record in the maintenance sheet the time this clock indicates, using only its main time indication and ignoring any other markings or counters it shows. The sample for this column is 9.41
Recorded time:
6.06
